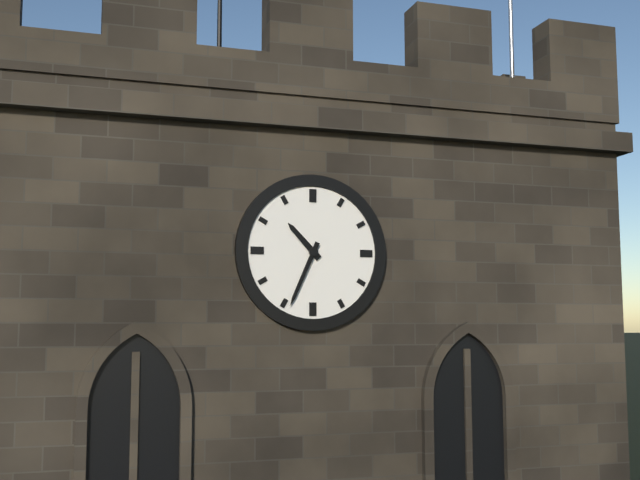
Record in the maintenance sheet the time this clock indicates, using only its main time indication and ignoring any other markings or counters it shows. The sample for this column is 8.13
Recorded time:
10.34
